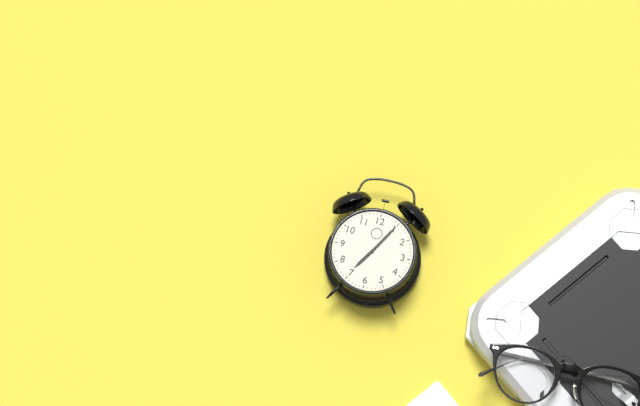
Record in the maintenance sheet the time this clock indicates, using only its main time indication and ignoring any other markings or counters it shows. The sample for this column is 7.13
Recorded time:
7.05
